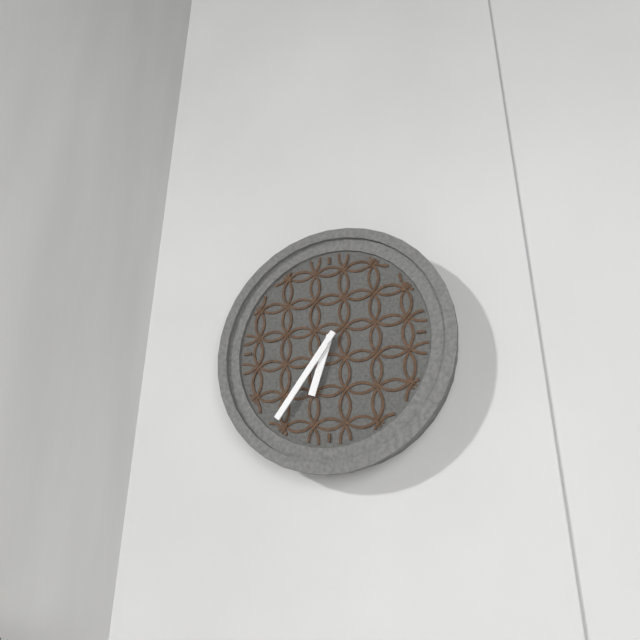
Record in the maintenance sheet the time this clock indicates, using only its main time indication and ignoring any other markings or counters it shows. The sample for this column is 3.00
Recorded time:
6.36
